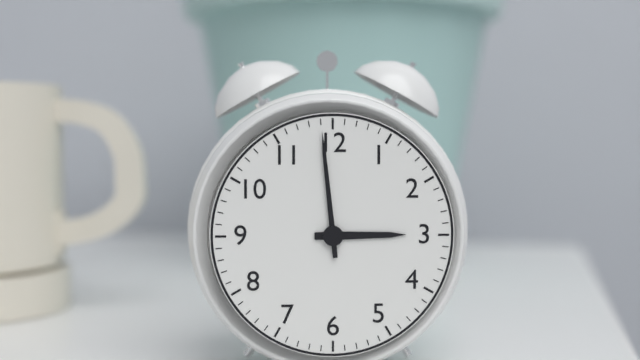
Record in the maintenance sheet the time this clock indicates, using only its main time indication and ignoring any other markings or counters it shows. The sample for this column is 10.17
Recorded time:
2.59
